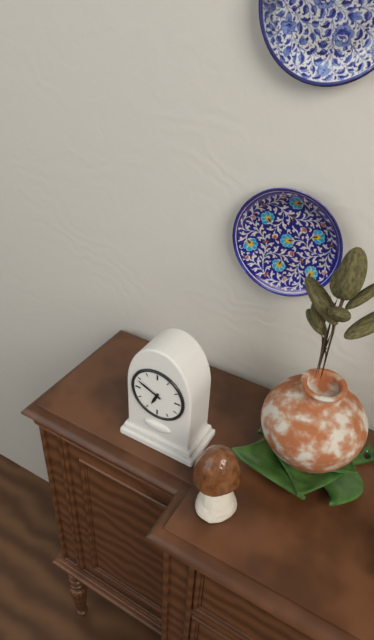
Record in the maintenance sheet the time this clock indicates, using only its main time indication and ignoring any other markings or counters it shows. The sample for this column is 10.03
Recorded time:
6.49
